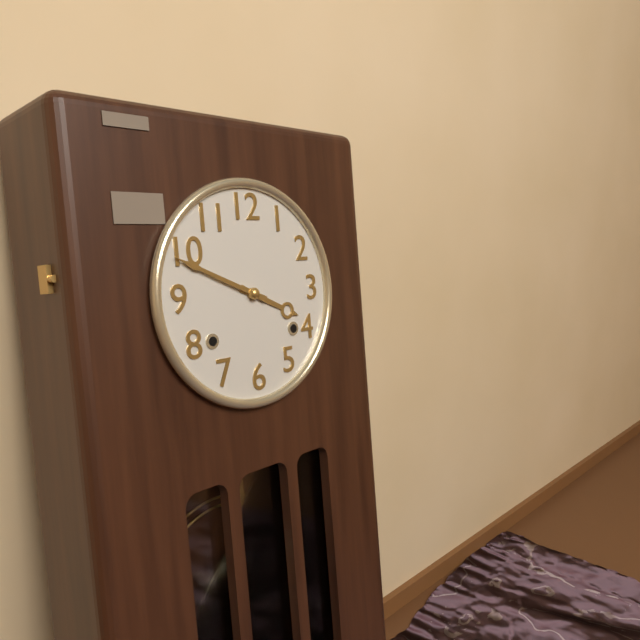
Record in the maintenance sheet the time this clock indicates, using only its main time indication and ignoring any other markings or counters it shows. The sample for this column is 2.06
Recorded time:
3.49
